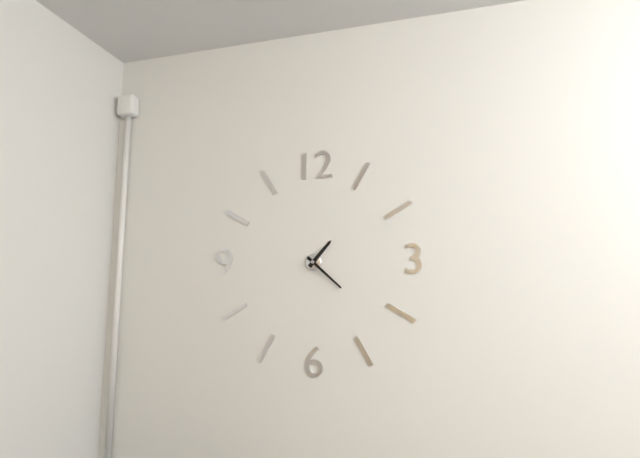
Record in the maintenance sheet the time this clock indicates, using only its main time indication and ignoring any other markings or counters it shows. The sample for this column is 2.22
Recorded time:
1.22
